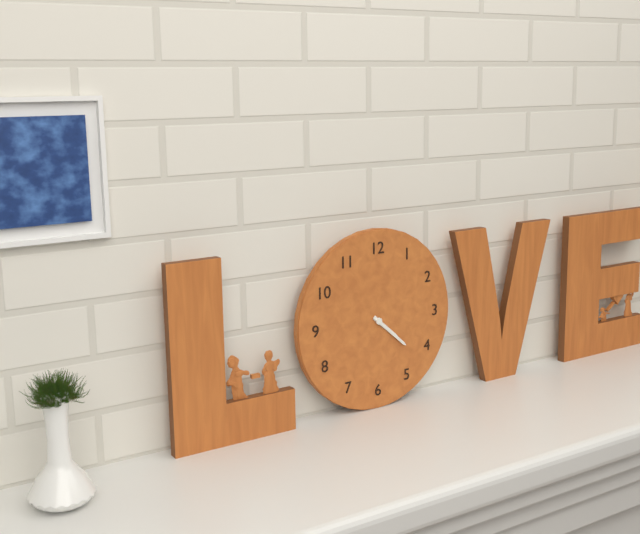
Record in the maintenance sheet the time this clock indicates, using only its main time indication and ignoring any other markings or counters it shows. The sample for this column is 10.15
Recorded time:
4.22
